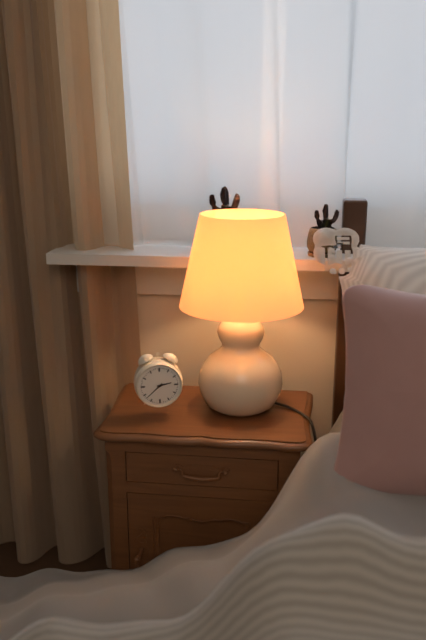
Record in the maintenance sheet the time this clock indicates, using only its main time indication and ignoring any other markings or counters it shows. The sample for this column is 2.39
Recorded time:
2.38
